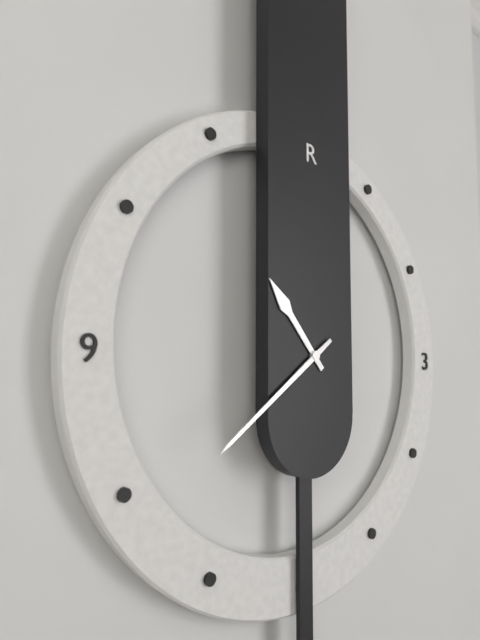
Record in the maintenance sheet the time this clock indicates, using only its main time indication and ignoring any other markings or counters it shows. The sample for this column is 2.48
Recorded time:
10.39
